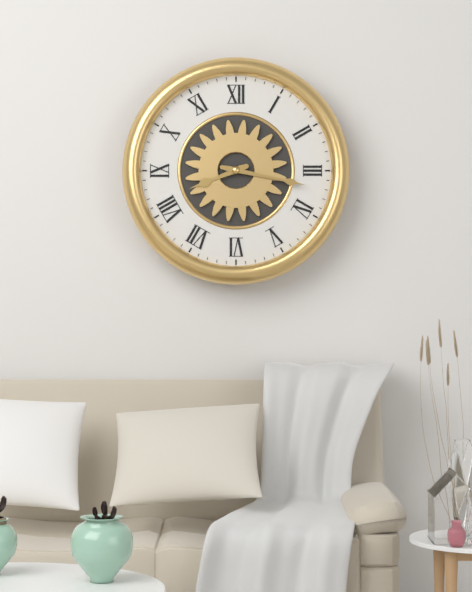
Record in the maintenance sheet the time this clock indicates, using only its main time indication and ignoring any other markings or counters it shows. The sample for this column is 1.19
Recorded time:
8.17
